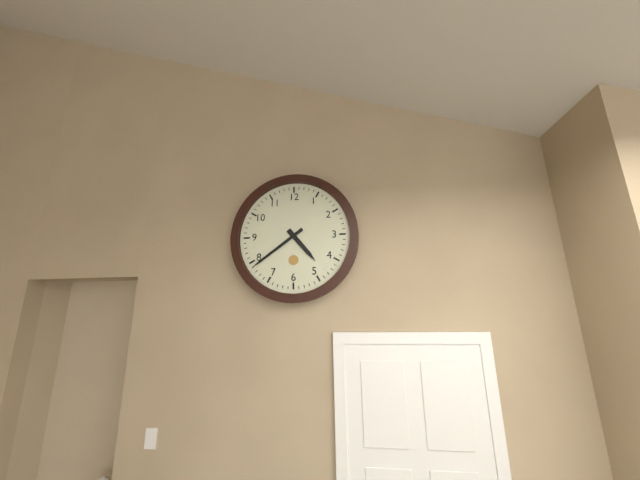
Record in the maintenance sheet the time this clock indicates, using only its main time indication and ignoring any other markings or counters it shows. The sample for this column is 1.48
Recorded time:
4.39
